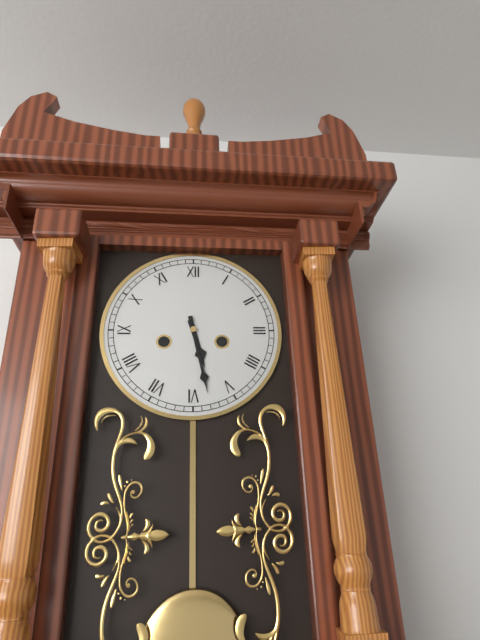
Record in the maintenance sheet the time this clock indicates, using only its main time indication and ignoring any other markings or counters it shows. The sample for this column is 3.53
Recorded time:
5.28
